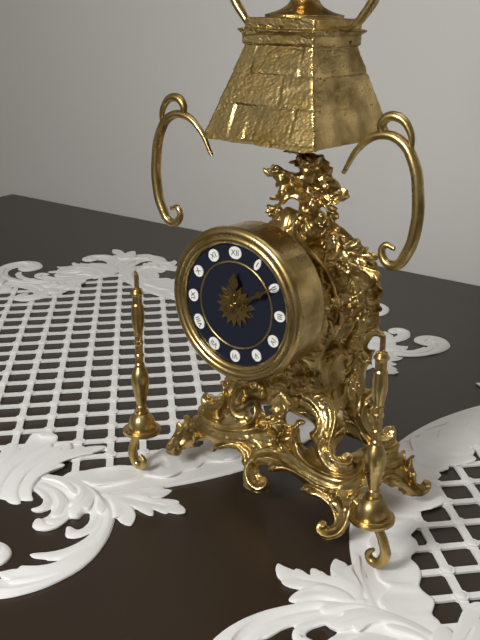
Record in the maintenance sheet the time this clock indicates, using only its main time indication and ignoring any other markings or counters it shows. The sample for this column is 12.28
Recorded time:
12.10
